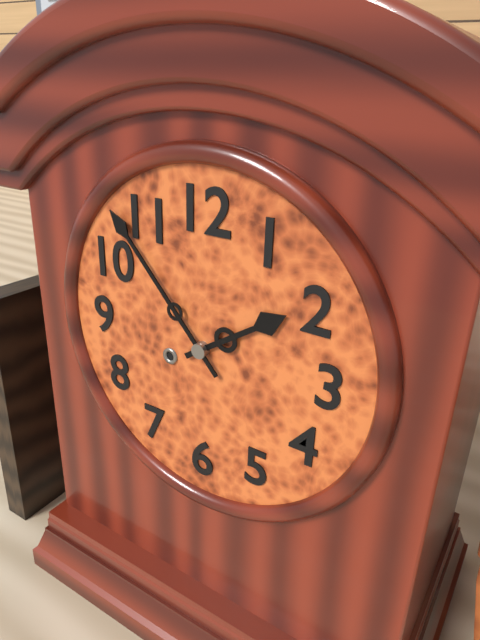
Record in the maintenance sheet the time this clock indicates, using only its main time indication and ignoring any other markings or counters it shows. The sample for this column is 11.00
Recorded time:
1.53
